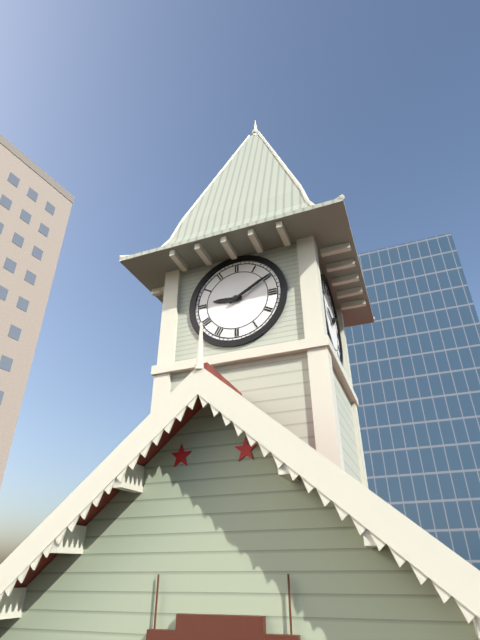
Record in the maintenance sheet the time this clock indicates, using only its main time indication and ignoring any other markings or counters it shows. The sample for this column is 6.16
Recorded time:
9.10
